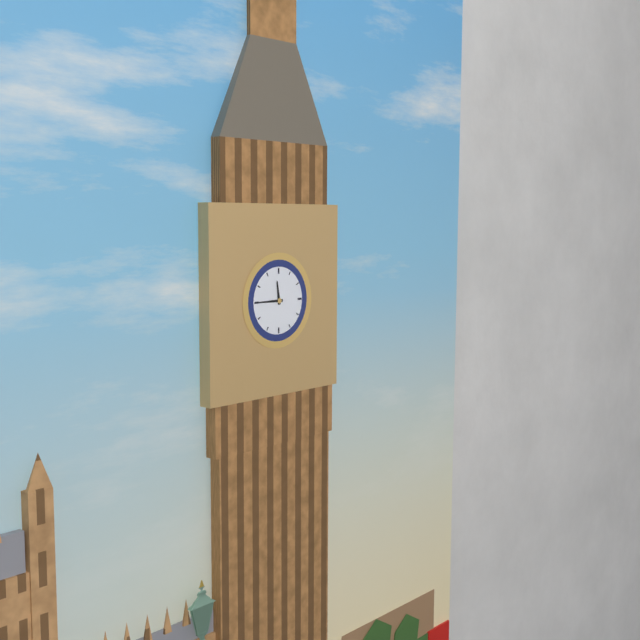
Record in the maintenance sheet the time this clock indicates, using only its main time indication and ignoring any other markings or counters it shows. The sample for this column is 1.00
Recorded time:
11.45
